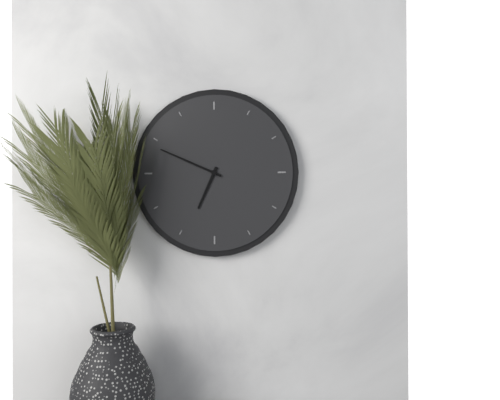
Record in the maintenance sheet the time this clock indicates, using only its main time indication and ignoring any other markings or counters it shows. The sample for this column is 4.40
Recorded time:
6.49
